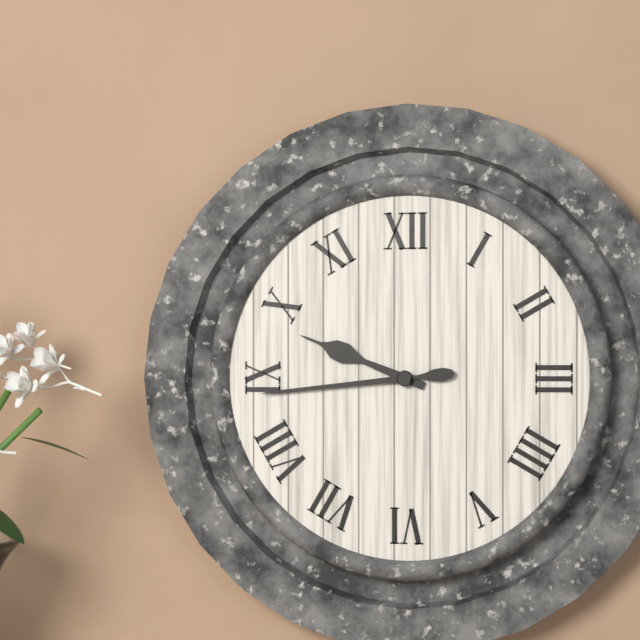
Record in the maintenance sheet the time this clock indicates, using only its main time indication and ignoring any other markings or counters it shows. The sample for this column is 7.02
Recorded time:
9.44
